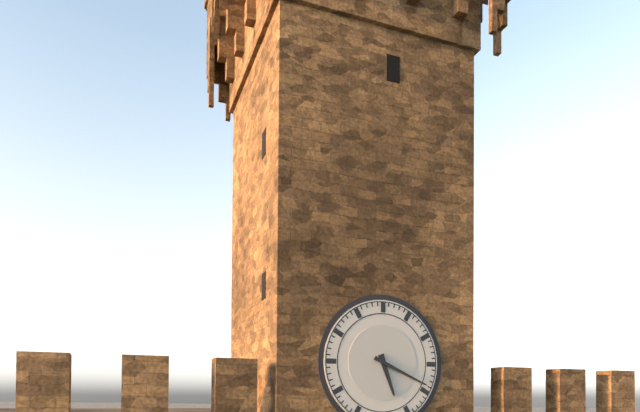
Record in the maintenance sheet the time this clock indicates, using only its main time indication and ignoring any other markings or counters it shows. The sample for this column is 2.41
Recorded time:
5.19
